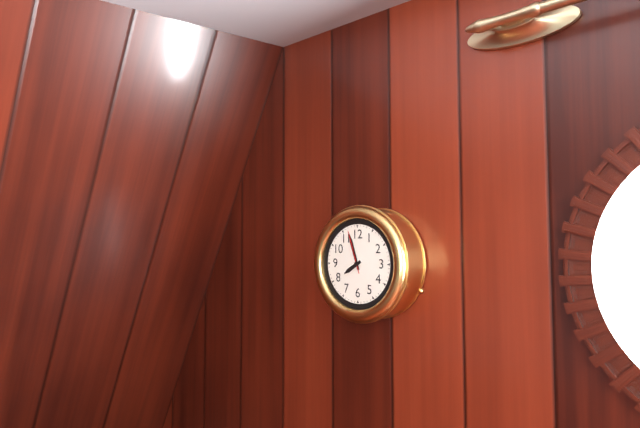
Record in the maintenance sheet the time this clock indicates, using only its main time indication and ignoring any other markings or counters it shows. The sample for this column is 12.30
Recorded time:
7.57
